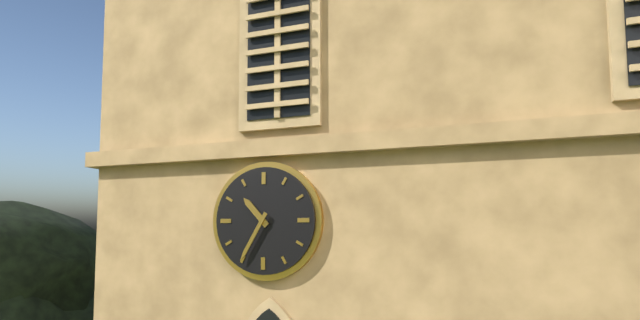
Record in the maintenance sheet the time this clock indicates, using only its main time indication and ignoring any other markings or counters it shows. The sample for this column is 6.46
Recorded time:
10.35
